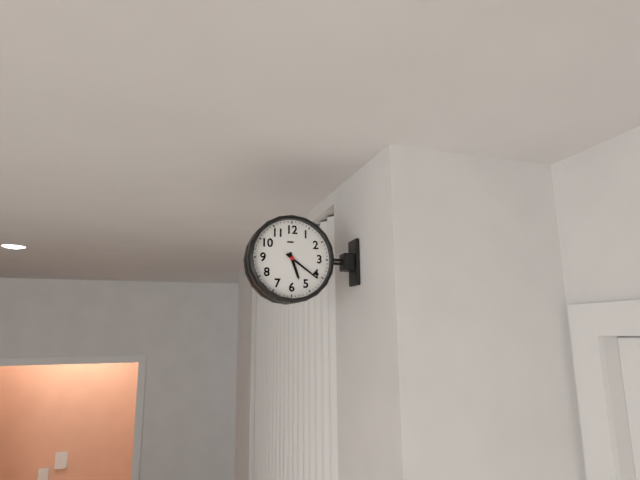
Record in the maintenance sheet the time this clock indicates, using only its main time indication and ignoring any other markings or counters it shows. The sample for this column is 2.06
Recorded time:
5.21
